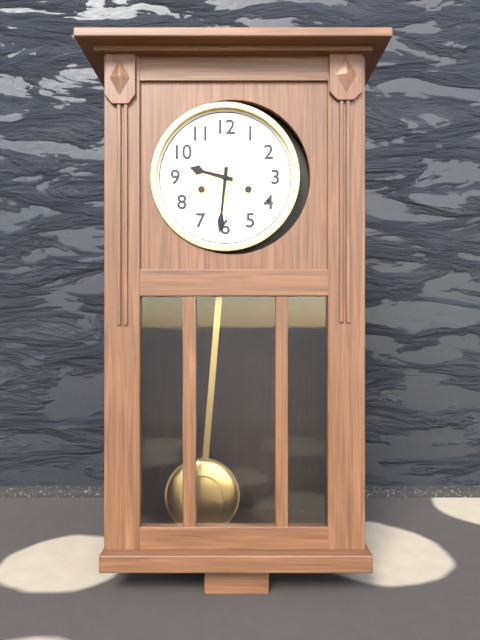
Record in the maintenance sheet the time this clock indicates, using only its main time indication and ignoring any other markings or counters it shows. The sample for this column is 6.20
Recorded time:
9.31
